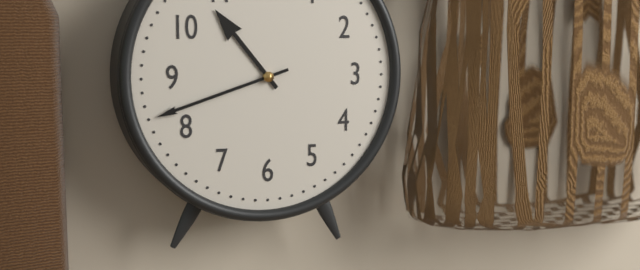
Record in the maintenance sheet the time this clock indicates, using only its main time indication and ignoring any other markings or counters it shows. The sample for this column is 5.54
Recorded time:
10.42
